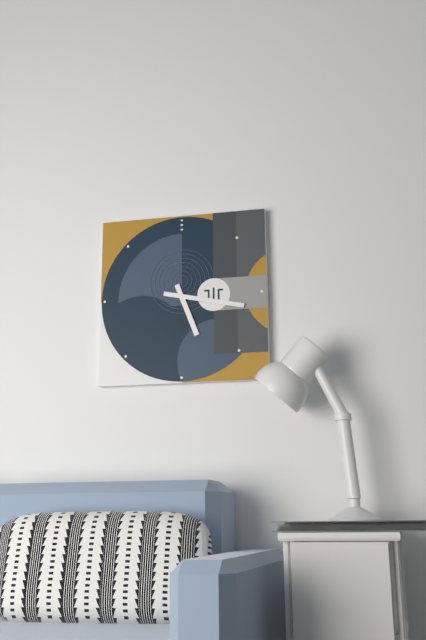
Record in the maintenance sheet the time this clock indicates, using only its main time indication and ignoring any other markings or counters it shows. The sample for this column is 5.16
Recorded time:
5.17
